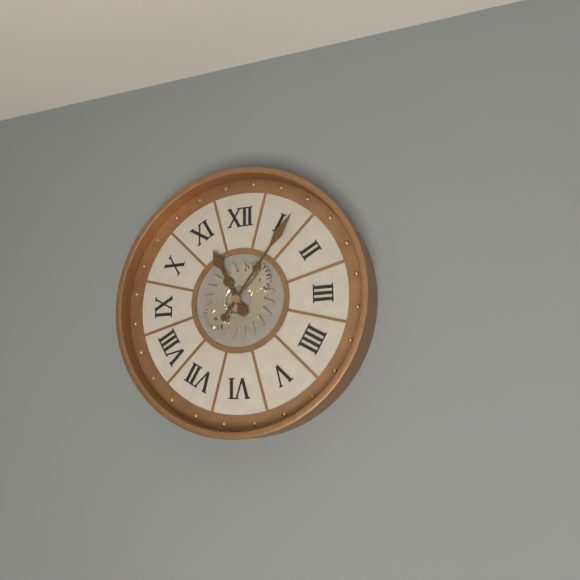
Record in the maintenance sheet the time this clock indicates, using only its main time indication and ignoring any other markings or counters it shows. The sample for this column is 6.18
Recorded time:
11.06
